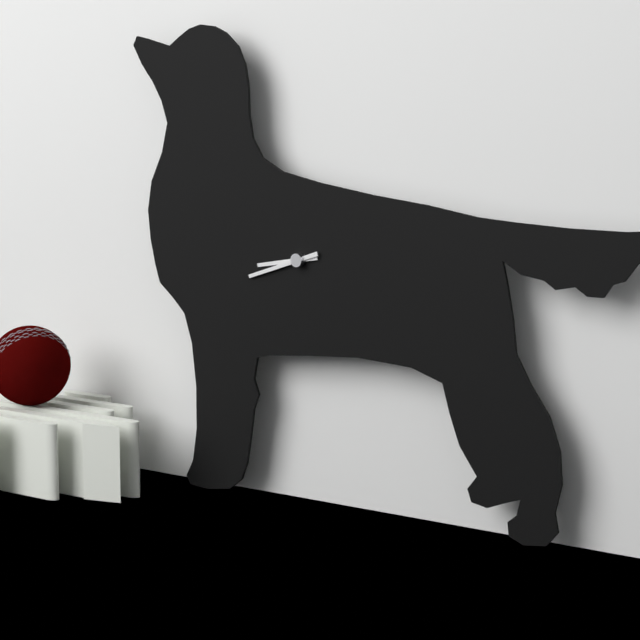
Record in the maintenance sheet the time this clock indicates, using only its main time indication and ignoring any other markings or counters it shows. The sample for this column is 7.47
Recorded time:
8.42
